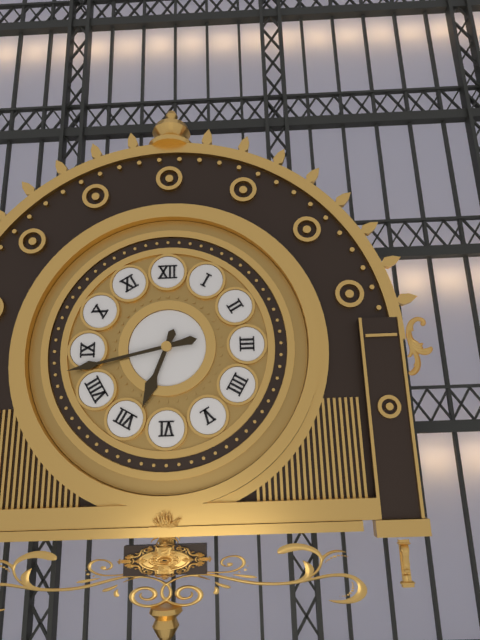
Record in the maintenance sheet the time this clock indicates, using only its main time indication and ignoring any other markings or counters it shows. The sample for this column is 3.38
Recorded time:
6.43
